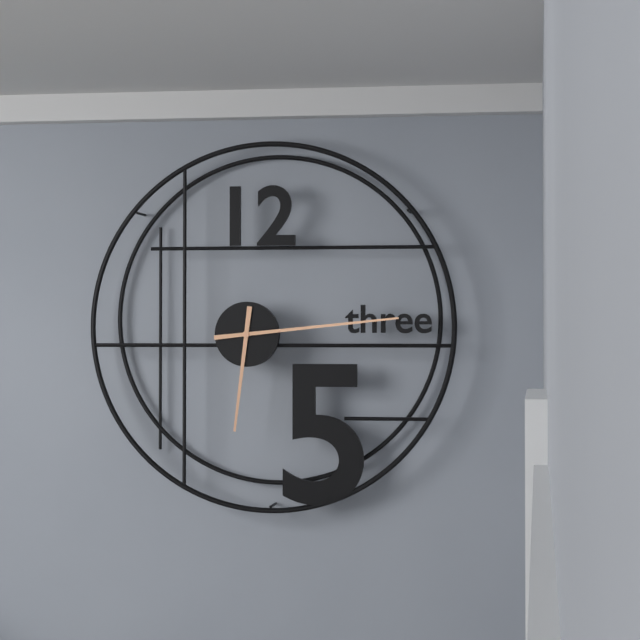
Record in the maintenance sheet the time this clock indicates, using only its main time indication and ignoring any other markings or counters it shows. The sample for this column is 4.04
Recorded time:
6.14
